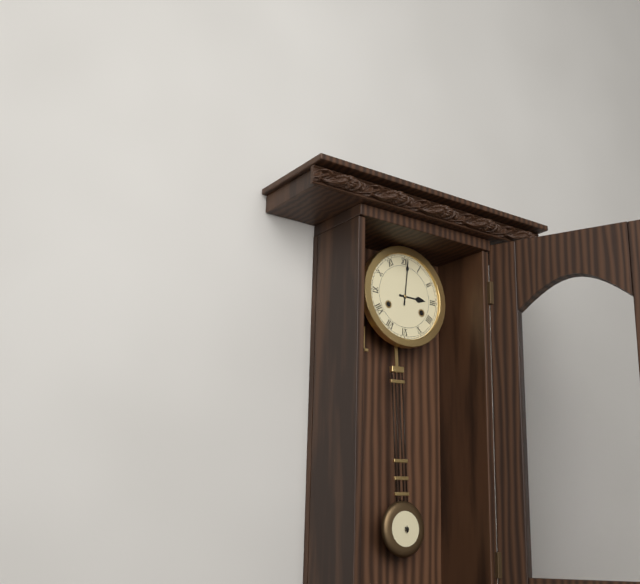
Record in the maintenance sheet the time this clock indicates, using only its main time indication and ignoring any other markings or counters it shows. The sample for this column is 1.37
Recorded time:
3.01
